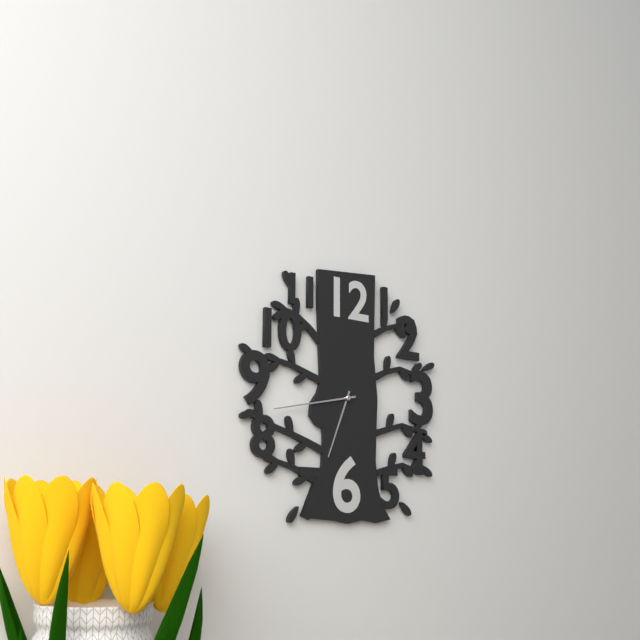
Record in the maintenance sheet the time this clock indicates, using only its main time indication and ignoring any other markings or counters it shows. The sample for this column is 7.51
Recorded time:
6.43
